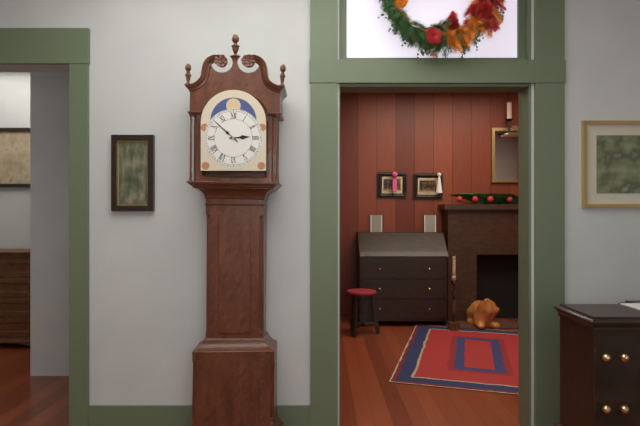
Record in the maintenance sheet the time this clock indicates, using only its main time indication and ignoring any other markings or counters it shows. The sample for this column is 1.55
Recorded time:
2.52
